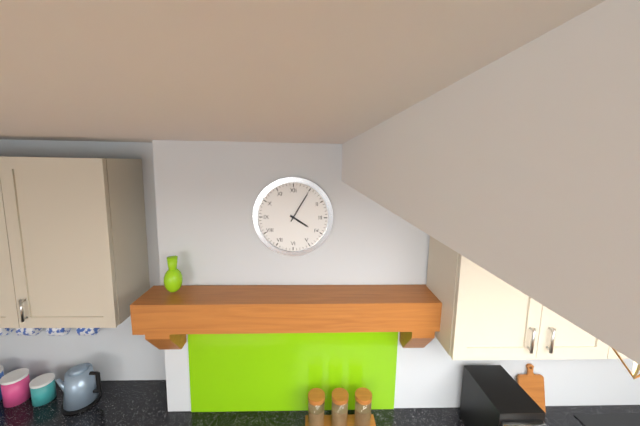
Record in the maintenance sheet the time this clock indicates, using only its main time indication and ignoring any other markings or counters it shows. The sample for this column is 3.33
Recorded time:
4.05
